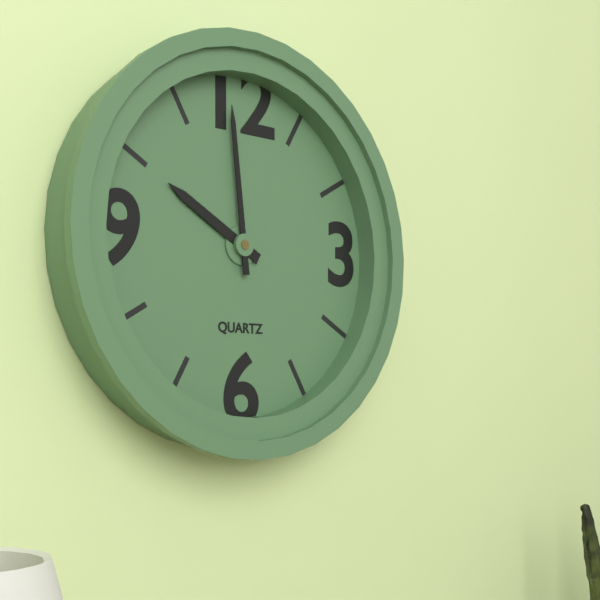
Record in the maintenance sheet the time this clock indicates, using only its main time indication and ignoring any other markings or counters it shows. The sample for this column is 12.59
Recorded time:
9.59
